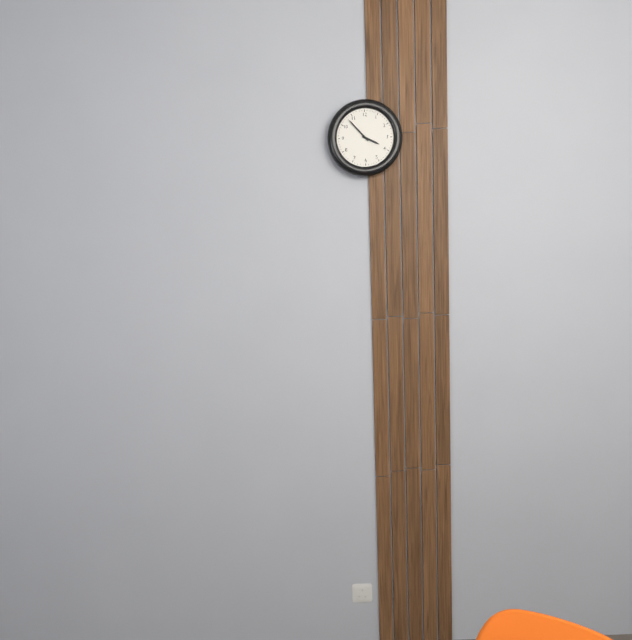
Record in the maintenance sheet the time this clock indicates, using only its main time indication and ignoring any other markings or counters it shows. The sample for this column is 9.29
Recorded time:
3.53
